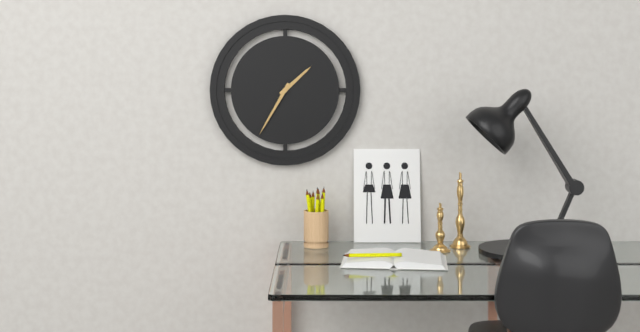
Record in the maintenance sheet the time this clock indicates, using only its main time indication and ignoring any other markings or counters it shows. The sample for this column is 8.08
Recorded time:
1.35
